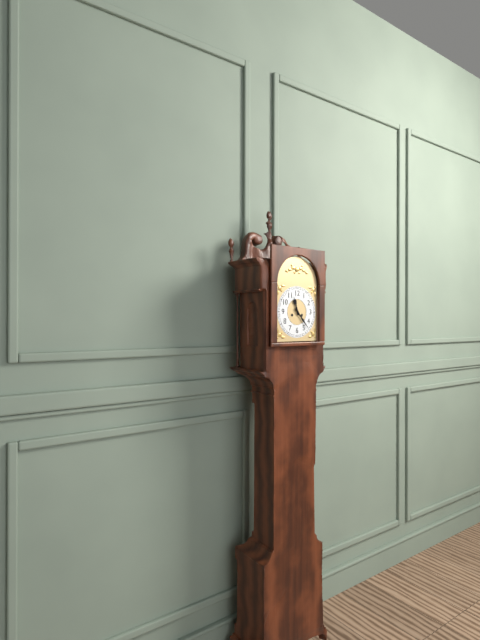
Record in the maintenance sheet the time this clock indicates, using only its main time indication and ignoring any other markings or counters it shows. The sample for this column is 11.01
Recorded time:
11.23
